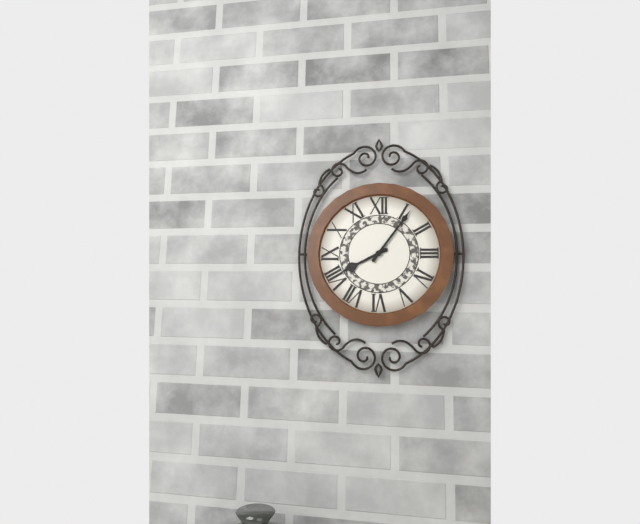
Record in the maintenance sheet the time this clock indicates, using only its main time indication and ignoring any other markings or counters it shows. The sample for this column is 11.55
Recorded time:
8.06
